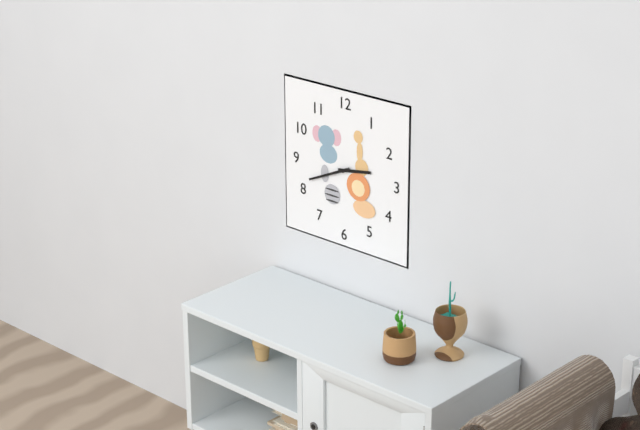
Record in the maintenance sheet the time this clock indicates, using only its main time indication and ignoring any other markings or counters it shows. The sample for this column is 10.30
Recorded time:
2.41
